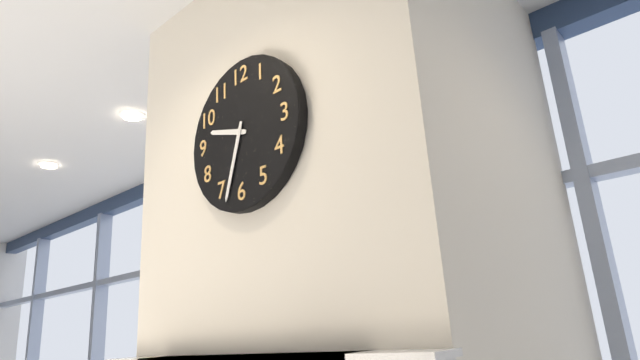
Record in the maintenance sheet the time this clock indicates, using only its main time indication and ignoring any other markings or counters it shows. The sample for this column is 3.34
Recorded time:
9.33
